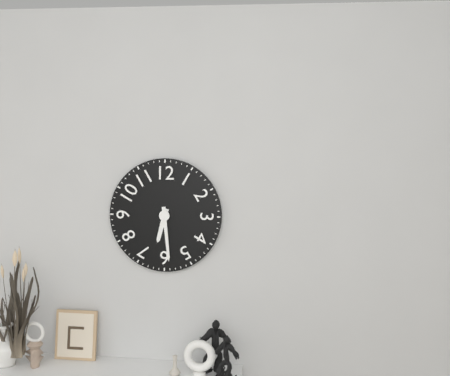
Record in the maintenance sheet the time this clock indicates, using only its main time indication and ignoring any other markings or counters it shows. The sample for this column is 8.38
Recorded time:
6.29
